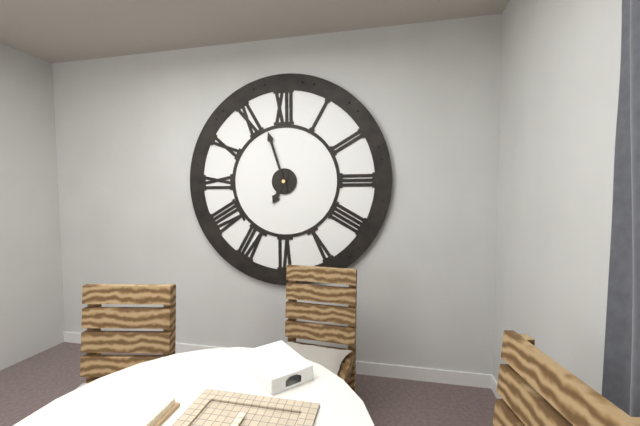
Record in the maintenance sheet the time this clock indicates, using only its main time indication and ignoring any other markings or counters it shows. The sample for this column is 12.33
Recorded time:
6.57
